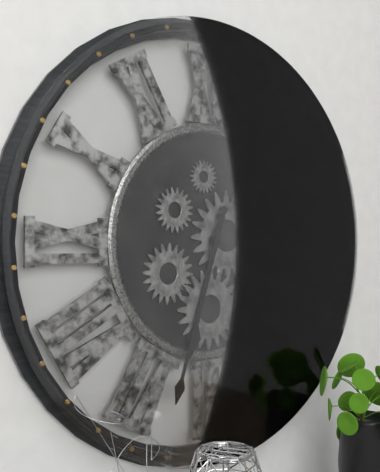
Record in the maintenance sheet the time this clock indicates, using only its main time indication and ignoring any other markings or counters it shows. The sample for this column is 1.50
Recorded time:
6.33
